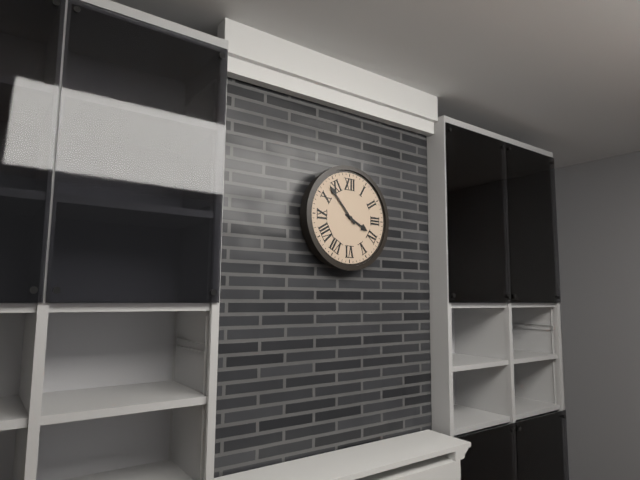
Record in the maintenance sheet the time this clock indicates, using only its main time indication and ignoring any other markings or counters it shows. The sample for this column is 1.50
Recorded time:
3.53
